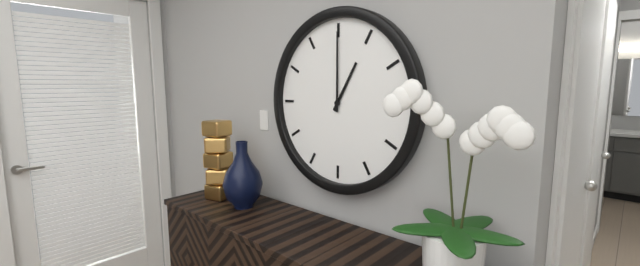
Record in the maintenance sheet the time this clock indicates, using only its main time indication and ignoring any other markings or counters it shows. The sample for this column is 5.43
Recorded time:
1.00
